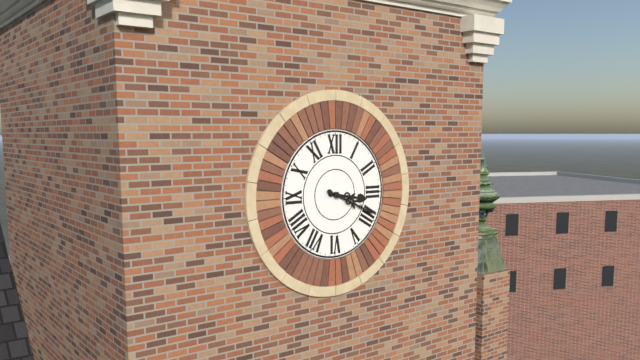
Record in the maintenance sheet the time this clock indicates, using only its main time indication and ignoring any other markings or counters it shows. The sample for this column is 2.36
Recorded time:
3.19
